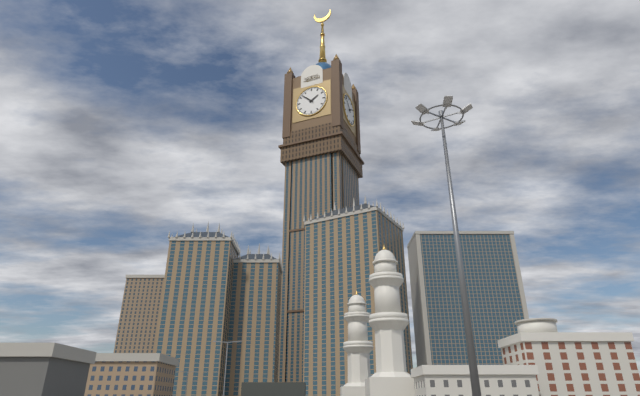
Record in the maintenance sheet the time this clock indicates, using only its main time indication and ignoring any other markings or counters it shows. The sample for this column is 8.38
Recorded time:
1.52
